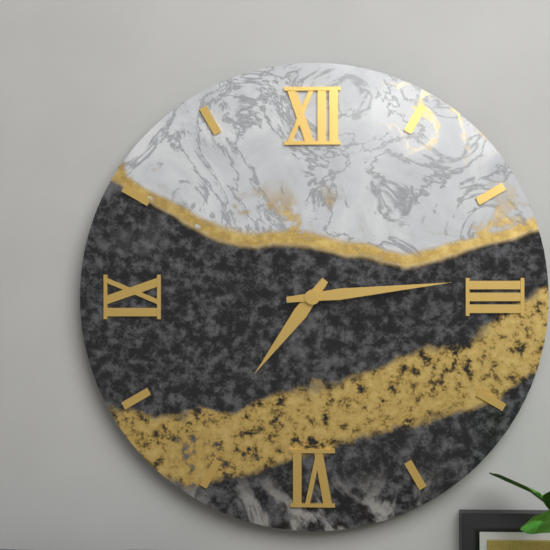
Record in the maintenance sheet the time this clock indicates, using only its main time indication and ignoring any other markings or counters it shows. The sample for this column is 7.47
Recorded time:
7.14
